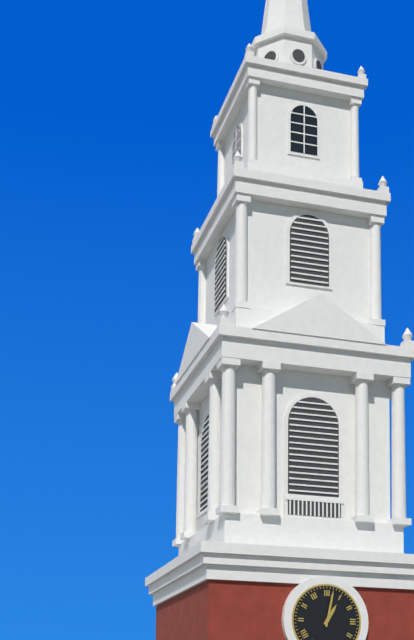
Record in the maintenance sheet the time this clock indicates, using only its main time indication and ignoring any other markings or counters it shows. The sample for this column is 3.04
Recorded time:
1.02
